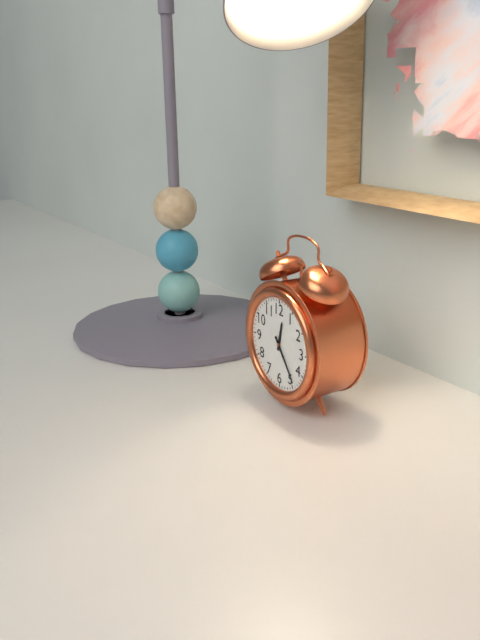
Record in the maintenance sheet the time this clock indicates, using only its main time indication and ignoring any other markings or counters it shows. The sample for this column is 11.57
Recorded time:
12.24
